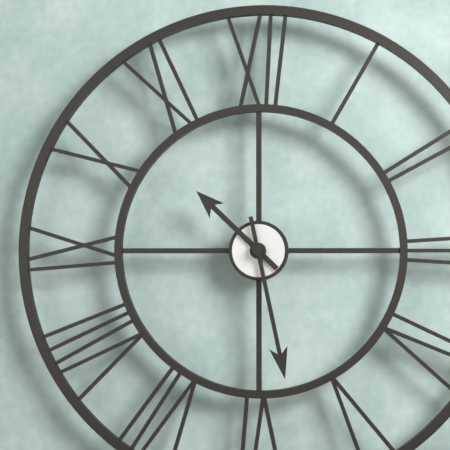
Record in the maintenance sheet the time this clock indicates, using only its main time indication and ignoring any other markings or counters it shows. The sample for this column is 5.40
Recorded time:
10.28
